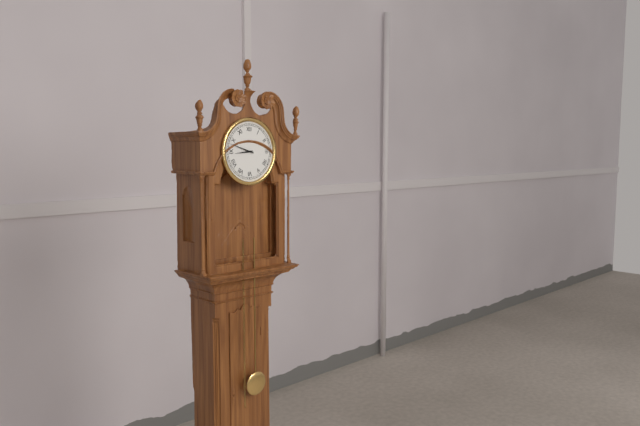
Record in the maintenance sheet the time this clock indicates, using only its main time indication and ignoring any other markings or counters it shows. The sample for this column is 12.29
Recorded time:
8.48
